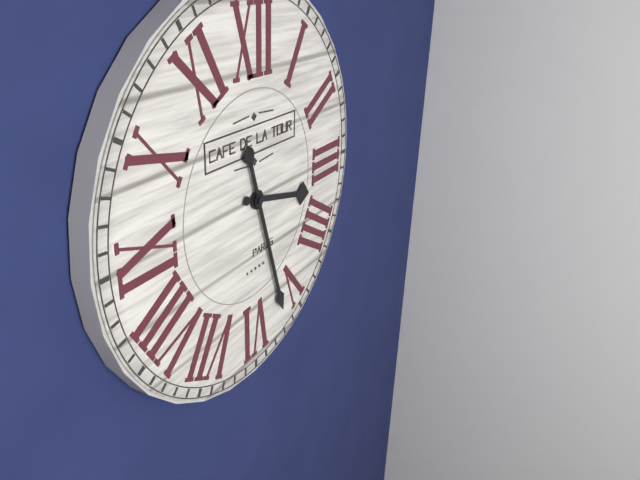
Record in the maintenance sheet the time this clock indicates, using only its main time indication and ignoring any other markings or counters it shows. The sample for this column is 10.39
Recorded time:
3.27
